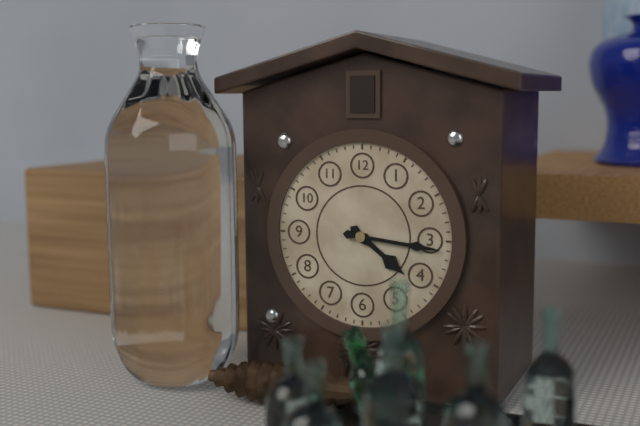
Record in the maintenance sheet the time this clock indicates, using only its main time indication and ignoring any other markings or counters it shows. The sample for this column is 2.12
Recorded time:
4.16
